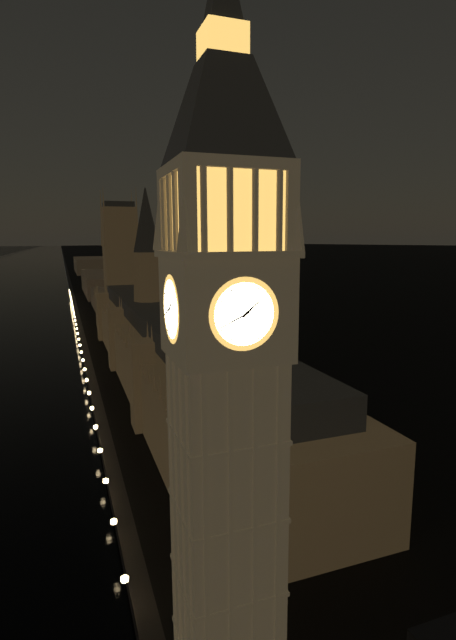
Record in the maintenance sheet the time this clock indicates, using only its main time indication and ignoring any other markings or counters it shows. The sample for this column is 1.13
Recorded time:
1.41
